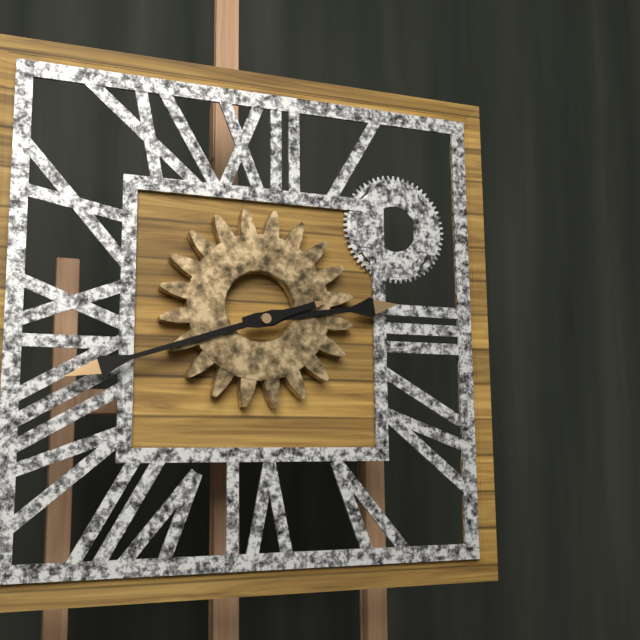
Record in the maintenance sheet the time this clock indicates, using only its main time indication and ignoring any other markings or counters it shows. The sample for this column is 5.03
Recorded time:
2.42
